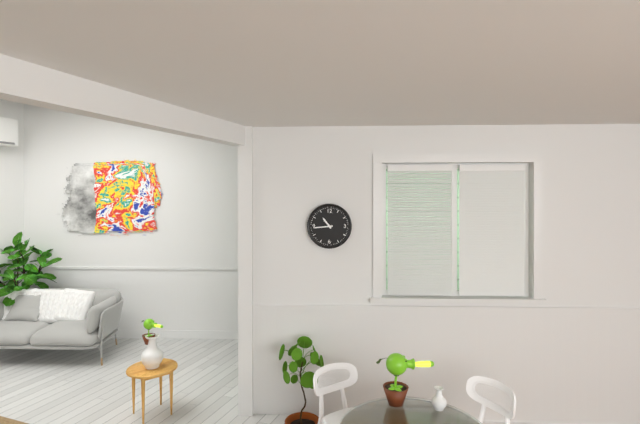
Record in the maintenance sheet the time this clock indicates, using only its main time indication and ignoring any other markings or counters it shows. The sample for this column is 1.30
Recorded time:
10.44
